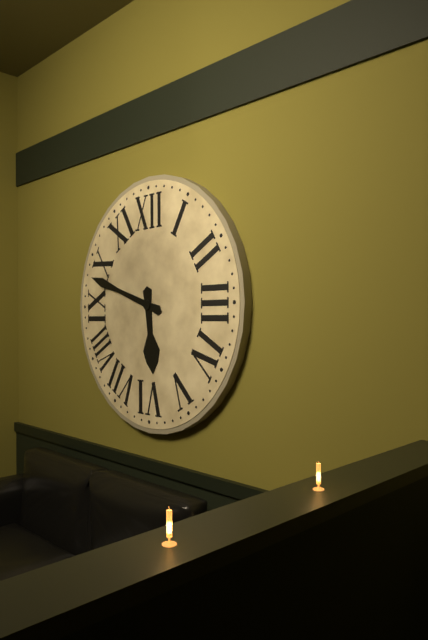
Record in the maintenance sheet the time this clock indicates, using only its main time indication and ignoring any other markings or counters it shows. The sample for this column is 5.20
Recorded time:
5.48
